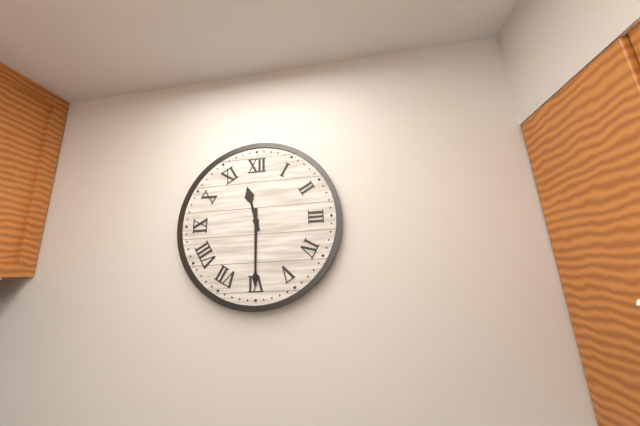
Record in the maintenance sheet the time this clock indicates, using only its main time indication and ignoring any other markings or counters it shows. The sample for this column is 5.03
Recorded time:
11.30
